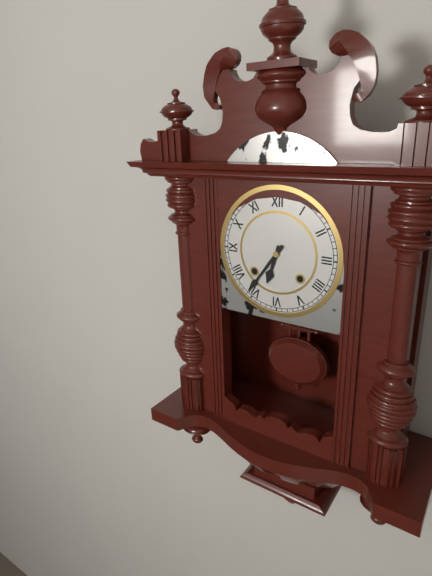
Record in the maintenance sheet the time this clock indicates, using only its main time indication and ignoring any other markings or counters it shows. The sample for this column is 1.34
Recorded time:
6.36
